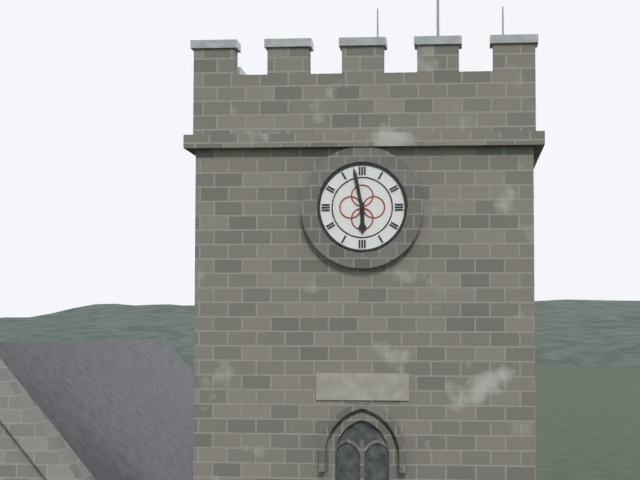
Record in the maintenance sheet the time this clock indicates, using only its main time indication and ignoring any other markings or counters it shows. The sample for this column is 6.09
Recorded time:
5.58
